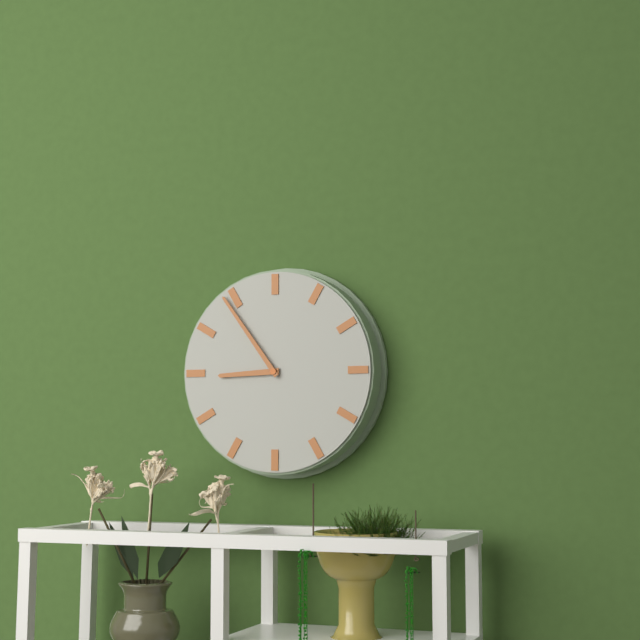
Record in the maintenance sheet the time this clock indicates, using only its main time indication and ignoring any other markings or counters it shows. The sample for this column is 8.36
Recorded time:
8.54
